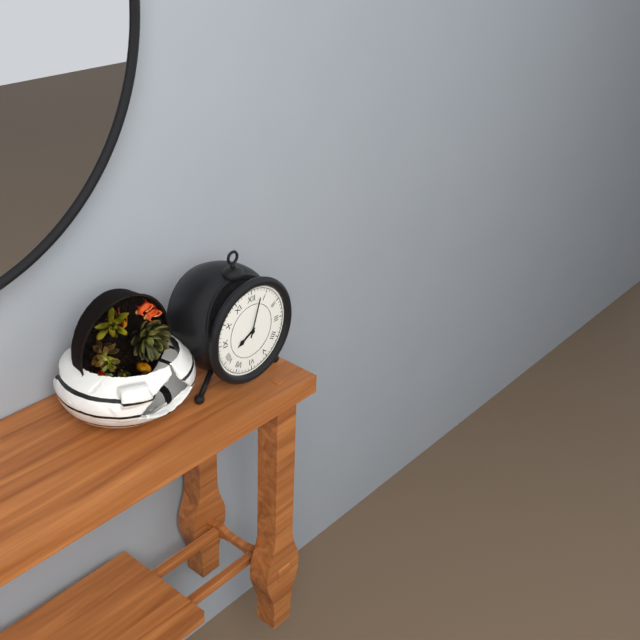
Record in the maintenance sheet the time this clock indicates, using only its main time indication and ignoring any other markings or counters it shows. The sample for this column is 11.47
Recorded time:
8.03
